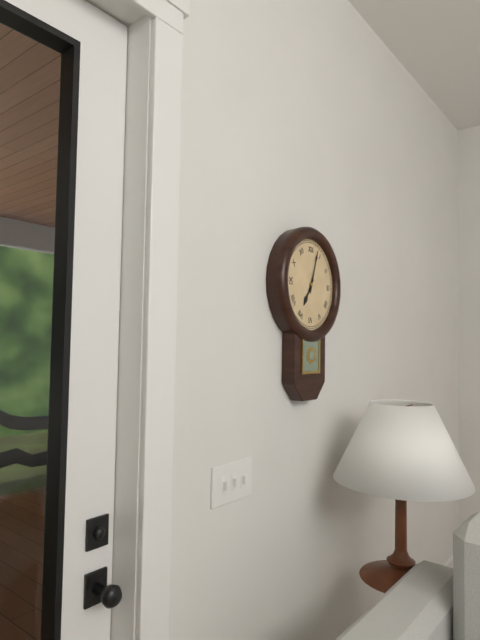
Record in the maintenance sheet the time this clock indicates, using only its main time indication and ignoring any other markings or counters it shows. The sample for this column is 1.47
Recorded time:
7.03
